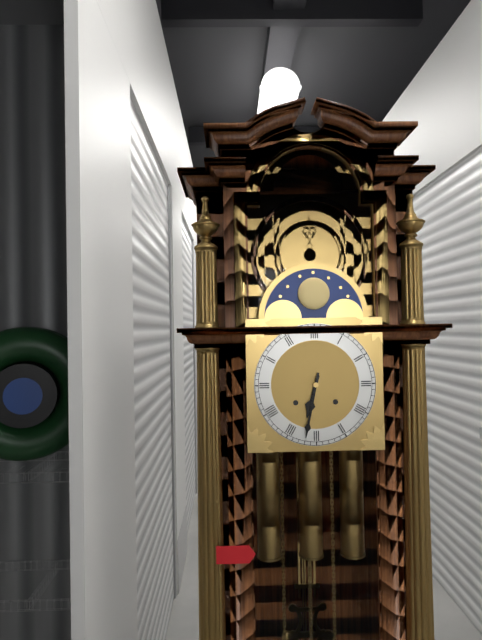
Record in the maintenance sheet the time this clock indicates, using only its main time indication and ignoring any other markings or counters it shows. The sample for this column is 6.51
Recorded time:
6.32
